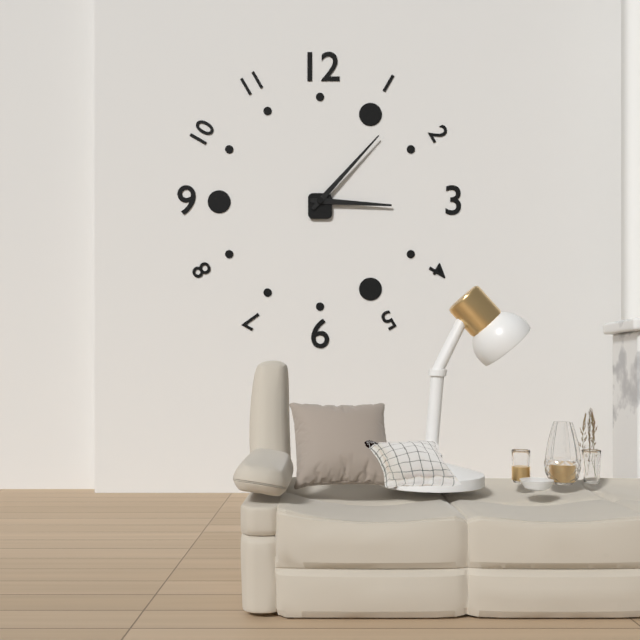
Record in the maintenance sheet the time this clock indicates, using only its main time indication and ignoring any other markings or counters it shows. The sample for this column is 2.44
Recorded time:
3.07
